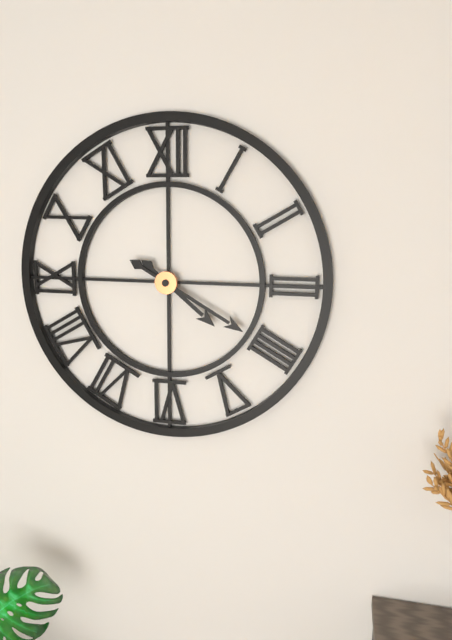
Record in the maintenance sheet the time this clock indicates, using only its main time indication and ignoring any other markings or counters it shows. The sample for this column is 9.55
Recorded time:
4.20
